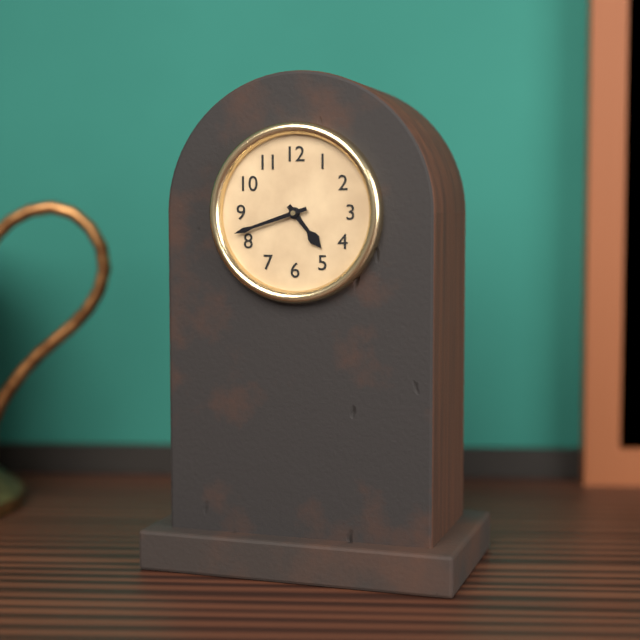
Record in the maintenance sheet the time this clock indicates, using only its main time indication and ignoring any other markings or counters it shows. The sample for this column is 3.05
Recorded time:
4.42
